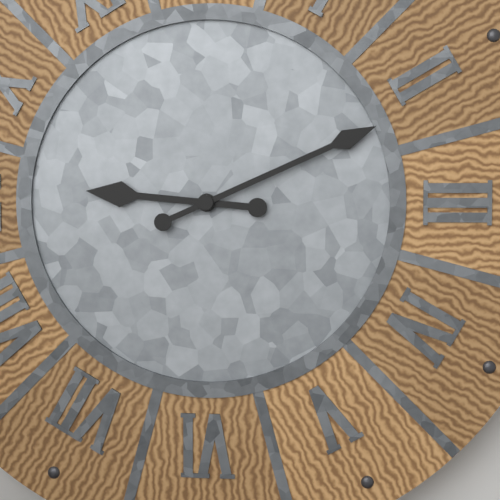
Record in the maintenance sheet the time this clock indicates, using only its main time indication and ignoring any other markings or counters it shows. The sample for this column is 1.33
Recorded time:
9.11
